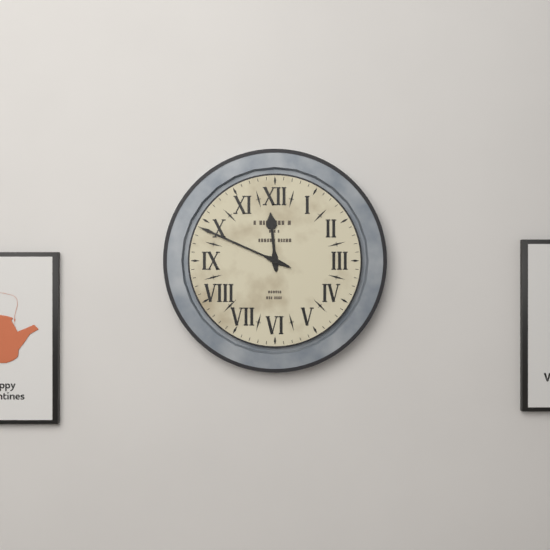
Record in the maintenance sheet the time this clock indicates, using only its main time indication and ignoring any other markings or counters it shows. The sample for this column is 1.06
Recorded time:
11.49
